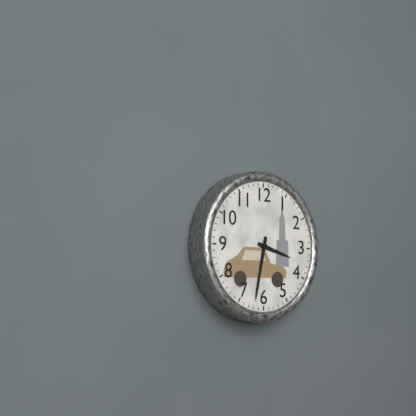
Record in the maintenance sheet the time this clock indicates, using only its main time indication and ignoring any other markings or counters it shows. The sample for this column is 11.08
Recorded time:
3.32
